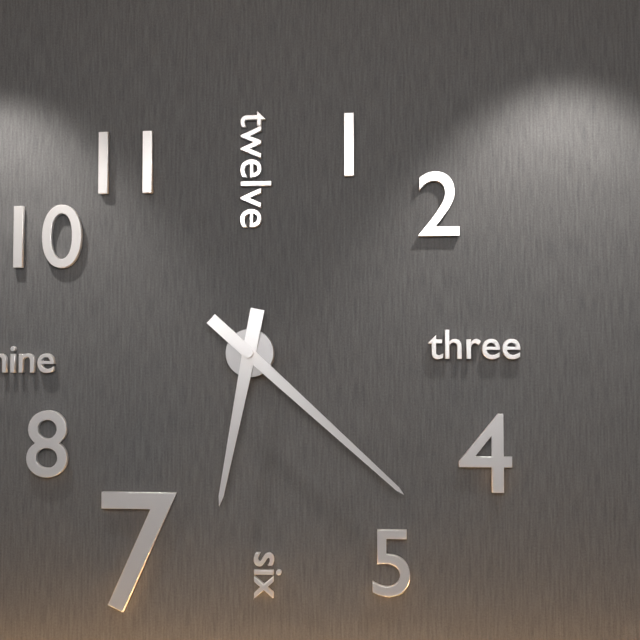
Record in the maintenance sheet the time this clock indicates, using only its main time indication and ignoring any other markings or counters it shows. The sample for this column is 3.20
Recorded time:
6.22
